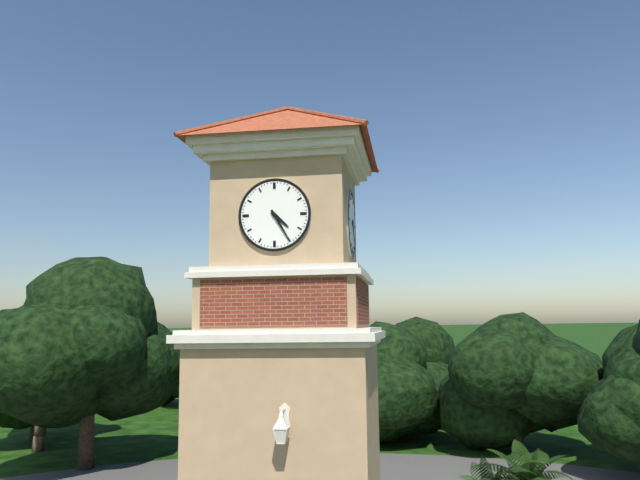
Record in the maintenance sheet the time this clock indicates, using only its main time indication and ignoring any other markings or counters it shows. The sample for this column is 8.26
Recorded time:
4.25
